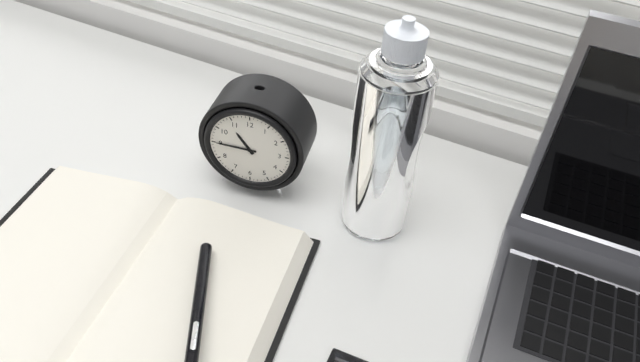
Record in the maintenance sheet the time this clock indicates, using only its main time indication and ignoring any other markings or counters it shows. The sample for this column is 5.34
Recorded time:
10.45
